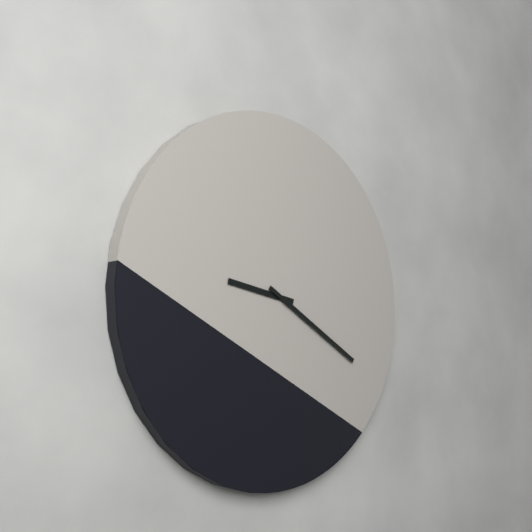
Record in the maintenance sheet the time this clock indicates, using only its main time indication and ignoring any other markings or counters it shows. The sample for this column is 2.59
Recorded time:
9.20
